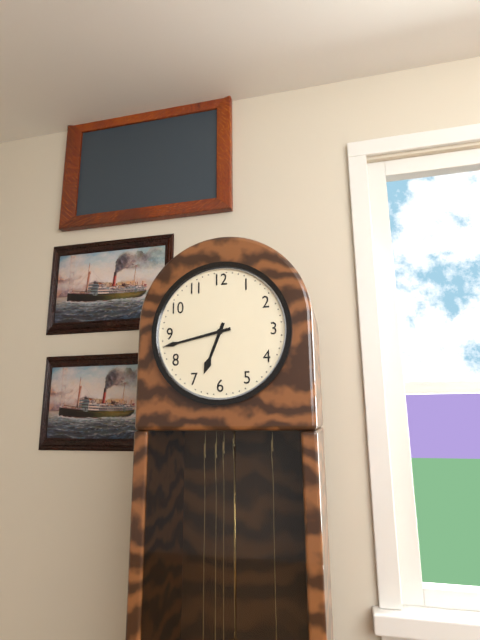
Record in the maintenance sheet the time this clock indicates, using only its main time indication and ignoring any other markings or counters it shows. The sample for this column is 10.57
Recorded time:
6.43
